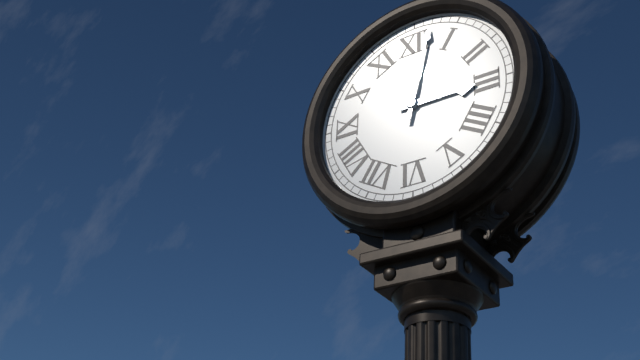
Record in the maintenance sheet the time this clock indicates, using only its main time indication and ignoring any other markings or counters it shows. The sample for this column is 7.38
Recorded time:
3.02
